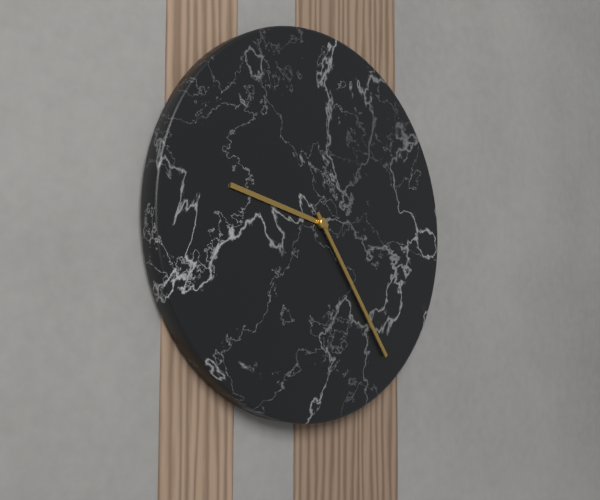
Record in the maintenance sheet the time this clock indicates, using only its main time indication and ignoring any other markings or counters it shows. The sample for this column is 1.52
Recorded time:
9.24
